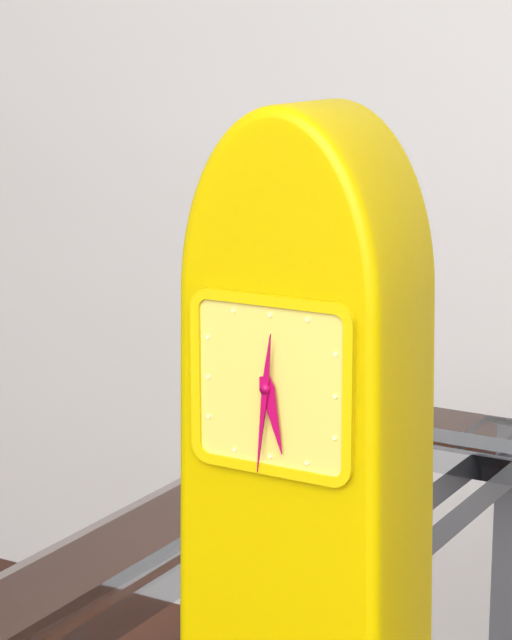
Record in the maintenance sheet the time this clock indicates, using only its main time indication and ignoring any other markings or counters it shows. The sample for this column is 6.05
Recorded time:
5.31
